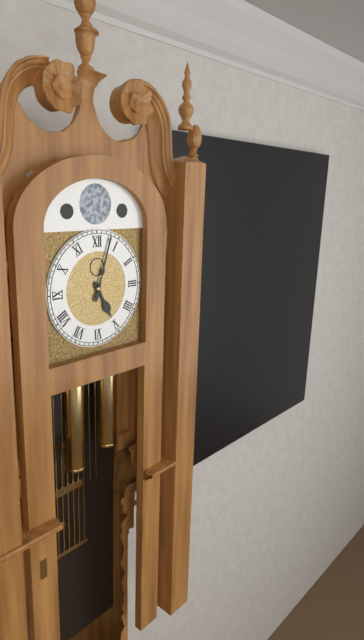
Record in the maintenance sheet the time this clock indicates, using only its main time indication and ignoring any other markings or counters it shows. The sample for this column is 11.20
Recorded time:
5.03
